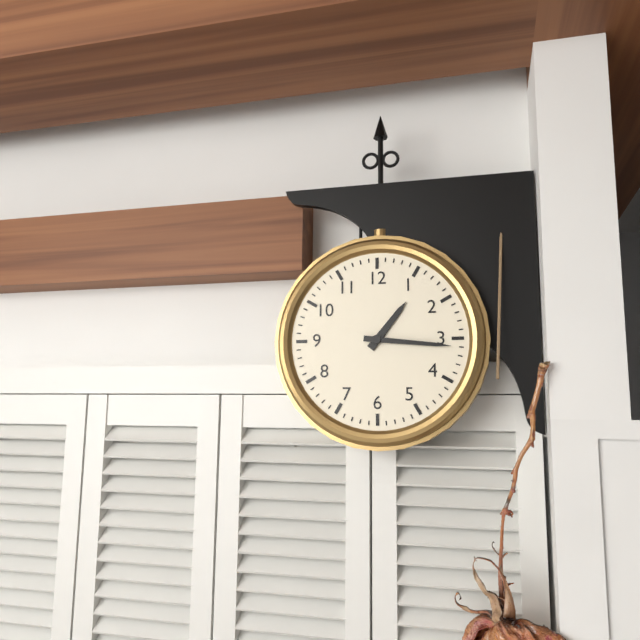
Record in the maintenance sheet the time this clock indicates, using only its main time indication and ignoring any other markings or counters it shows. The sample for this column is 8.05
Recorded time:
1.16
